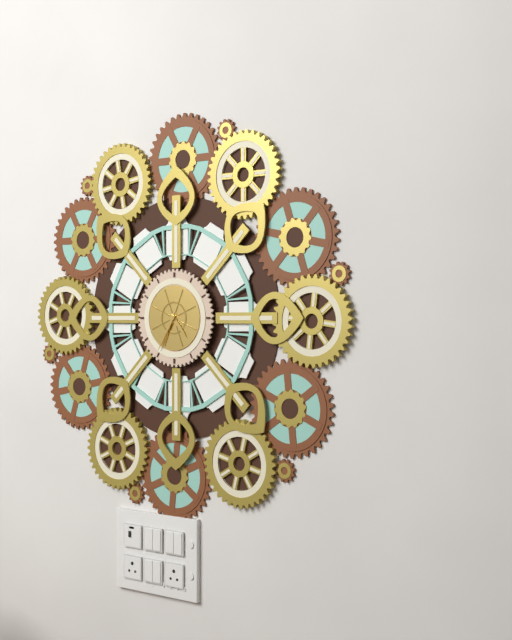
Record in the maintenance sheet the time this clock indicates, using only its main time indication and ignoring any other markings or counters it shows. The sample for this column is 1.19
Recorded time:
4.35
